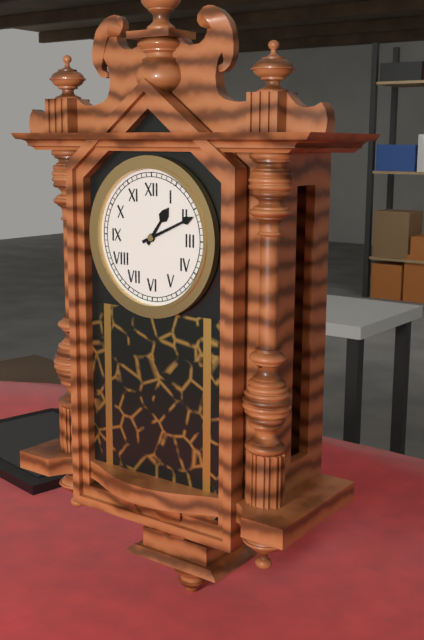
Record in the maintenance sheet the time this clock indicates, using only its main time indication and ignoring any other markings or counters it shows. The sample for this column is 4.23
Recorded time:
1.11
